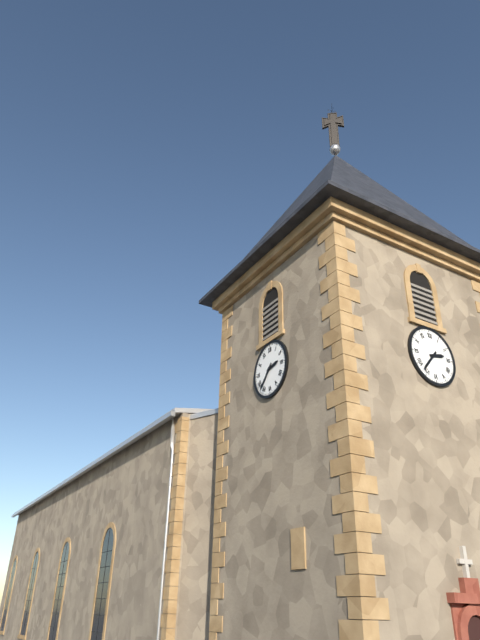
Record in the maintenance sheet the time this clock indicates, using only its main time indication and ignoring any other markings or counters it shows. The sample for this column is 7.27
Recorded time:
2.37
